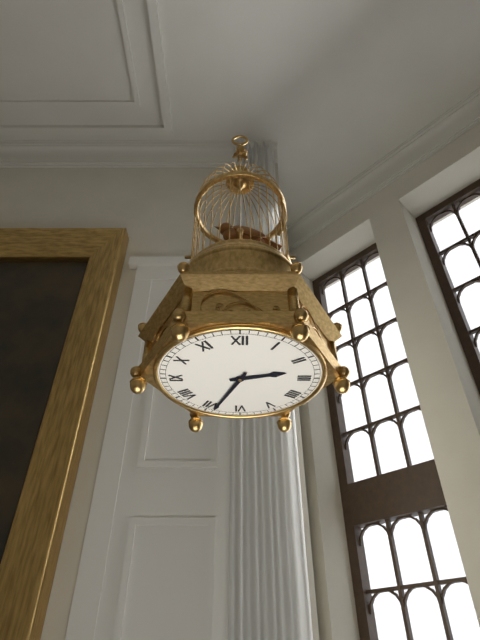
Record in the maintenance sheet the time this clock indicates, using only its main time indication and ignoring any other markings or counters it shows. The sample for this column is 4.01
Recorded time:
2.34
